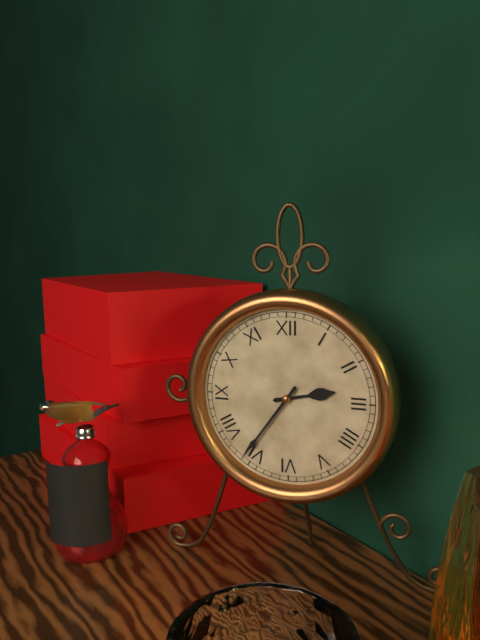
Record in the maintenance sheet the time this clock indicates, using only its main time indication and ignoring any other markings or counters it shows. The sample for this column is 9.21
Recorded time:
2.36
